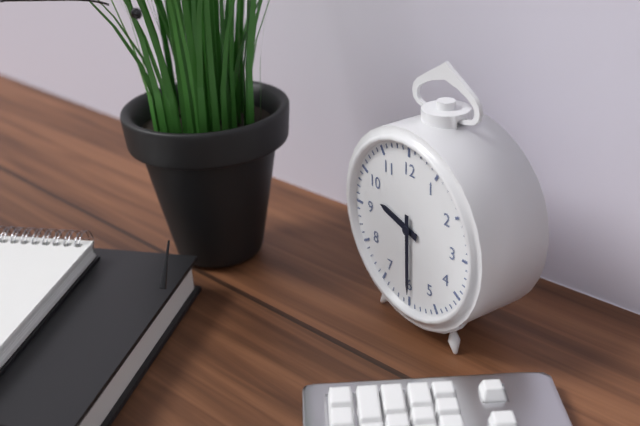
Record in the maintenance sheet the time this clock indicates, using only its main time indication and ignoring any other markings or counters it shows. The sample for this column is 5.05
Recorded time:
9.30
